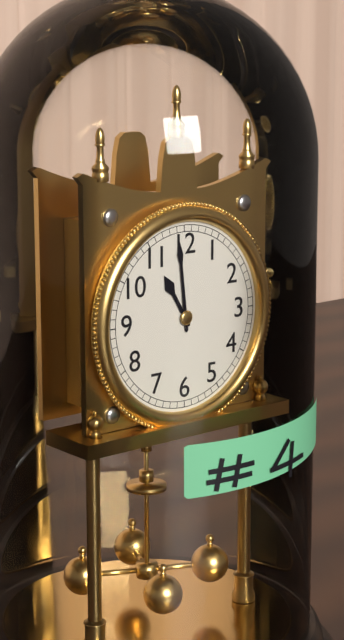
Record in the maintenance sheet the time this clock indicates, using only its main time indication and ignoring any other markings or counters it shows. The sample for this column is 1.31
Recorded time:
10.59
